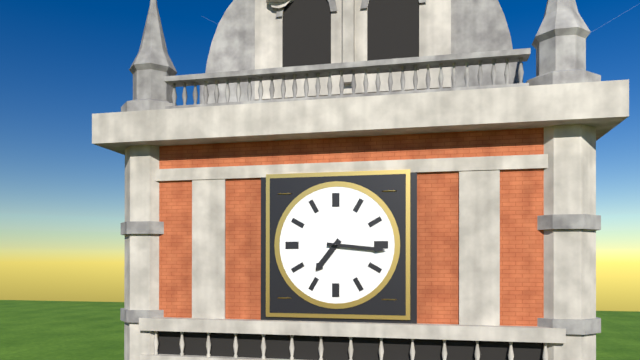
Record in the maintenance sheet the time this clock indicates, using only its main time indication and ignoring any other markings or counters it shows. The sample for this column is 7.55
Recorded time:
7.16
